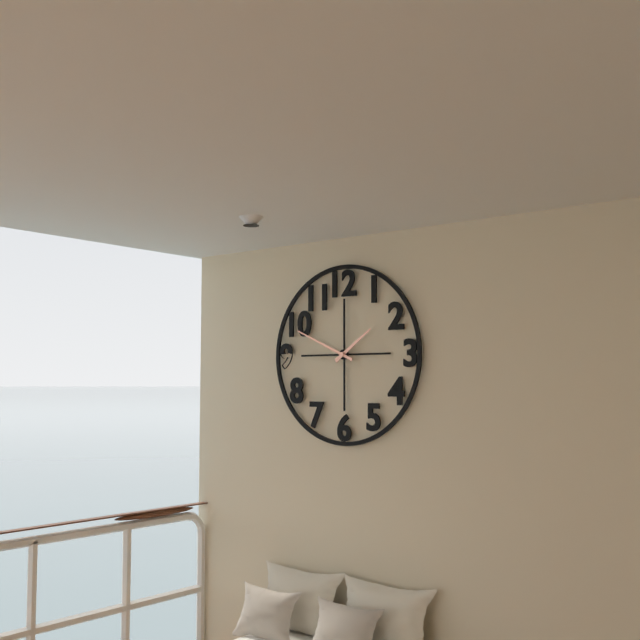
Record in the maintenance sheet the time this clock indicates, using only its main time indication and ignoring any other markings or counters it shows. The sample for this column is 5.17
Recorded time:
1.49
